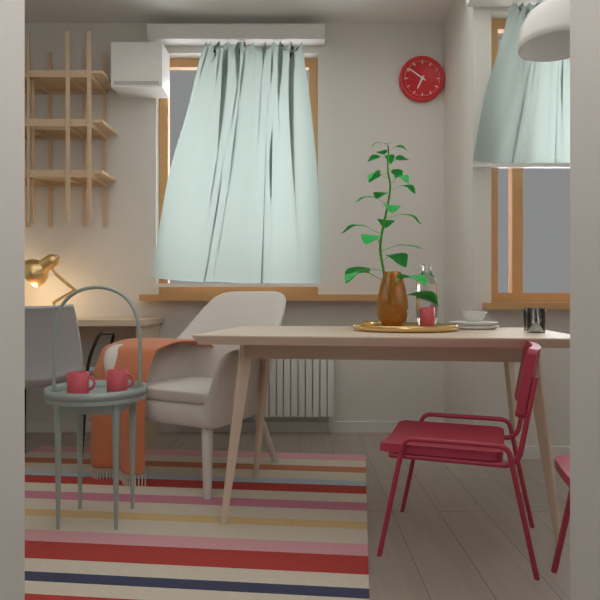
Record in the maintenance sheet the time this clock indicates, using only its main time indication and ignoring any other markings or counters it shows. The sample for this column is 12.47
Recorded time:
6.51
